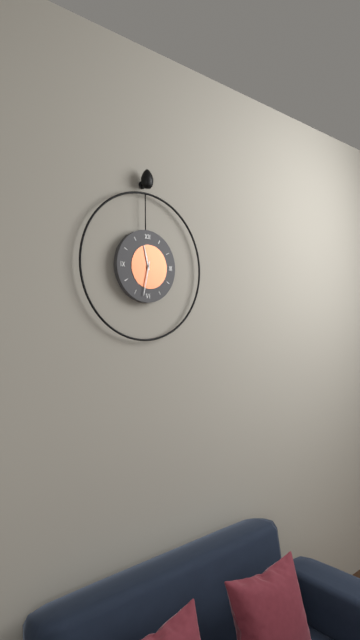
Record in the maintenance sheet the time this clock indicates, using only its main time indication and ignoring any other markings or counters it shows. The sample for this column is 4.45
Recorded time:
11.32
